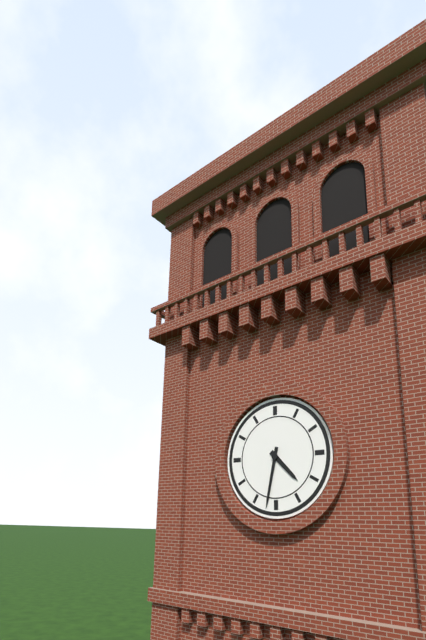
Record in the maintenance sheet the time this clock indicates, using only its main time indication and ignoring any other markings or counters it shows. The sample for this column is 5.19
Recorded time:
4.32
